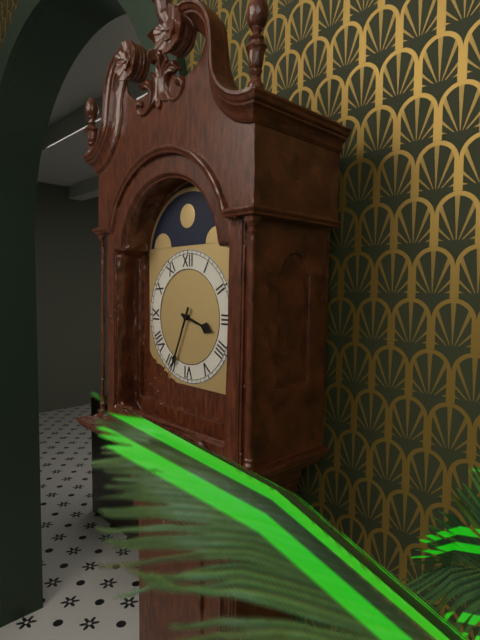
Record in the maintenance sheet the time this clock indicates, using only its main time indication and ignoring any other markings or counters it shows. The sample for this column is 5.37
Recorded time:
3.34
